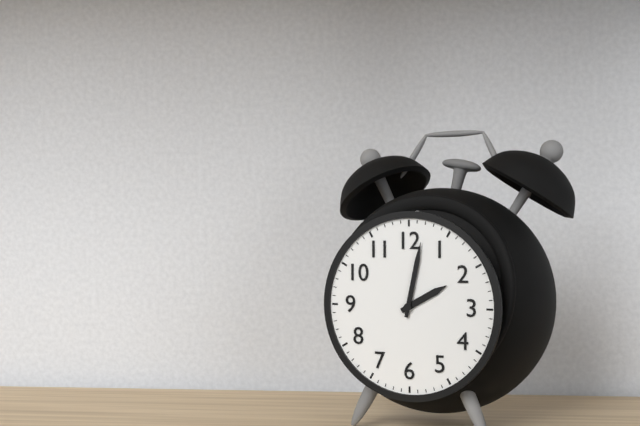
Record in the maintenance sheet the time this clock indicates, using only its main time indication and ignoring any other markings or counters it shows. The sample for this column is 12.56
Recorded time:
2.02
